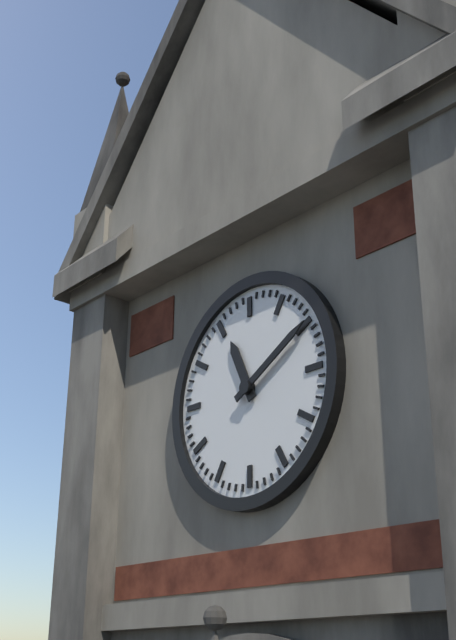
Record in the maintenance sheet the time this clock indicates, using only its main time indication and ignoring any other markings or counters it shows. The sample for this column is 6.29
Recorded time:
11.10
